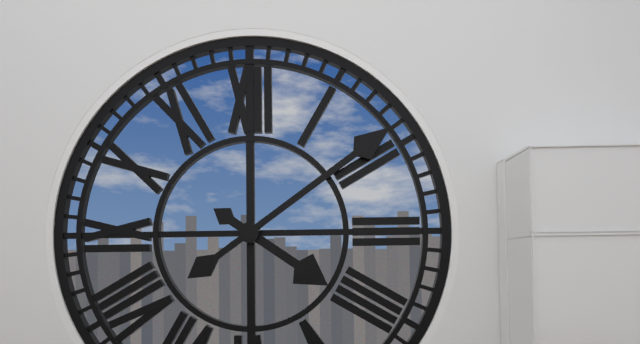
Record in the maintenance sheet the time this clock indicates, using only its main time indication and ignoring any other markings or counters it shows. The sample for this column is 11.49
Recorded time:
4.09
